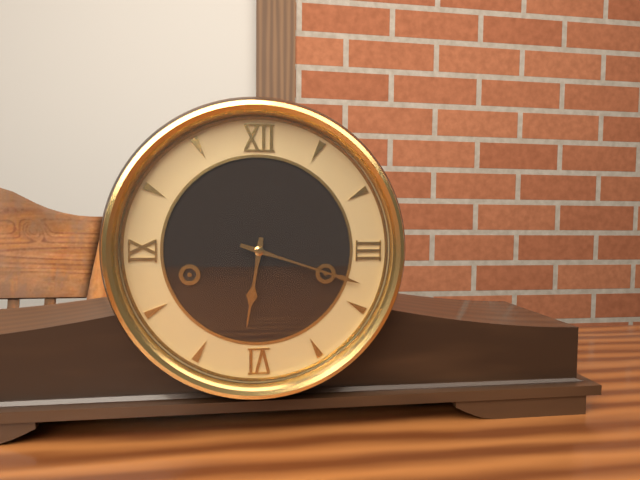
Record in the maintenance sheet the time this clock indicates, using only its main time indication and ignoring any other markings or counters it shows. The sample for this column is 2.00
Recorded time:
6.18
